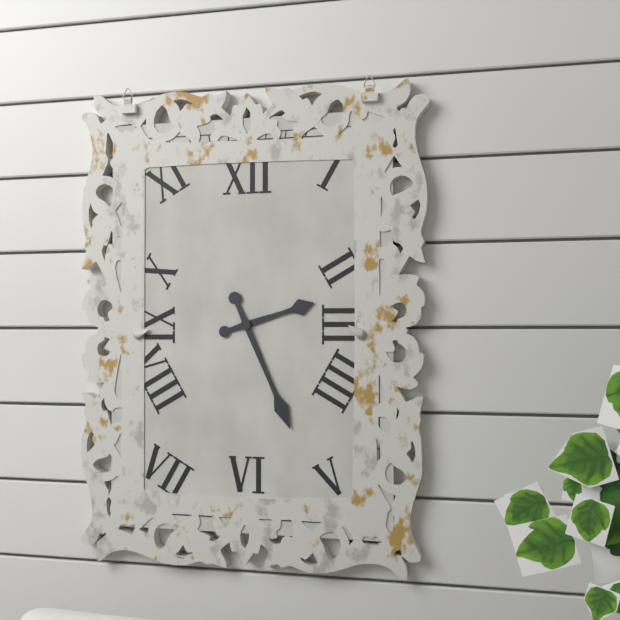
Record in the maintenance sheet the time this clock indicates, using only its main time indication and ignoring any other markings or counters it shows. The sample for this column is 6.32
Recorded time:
2.26
